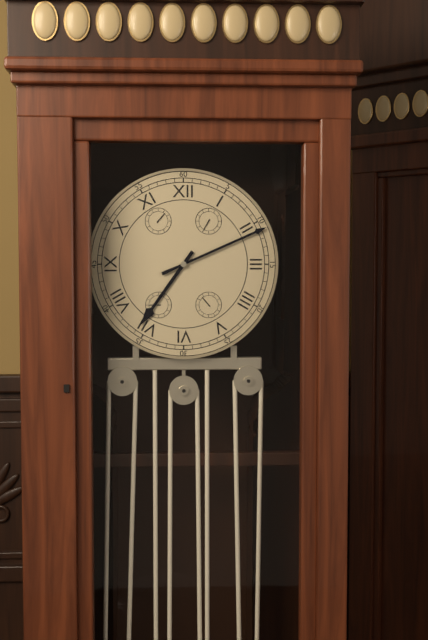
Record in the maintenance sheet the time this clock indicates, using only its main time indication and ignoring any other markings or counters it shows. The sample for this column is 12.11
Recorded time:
7.11
